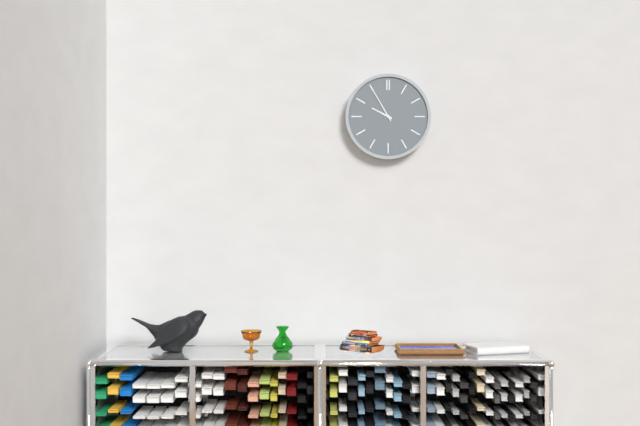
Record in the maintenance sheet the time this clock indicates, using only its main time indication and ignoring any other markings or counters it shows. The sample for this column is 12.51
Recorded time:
9.55
